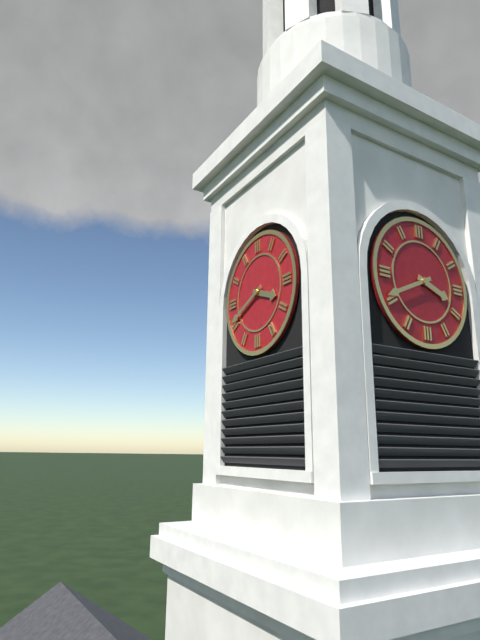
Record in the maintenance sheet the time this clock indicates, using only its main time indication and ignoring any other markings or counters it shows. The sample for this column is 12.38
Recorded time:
3.41
